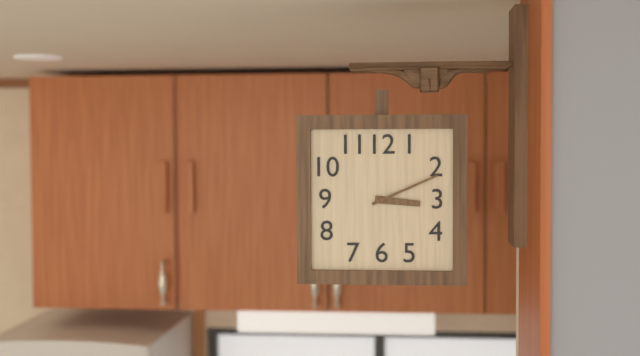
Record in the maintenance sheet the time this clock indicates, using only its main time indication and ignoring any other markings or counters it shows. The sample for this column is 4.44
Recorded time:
3.11
